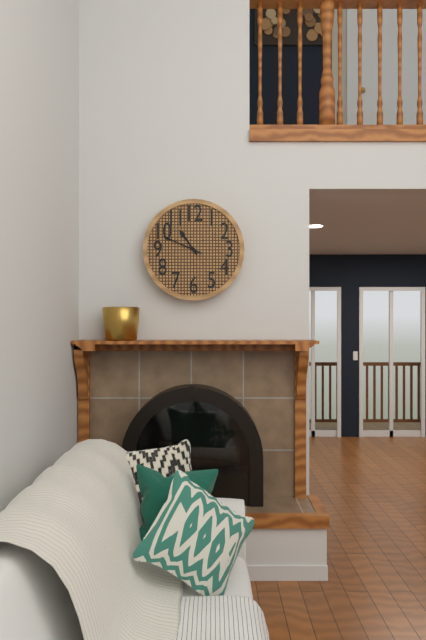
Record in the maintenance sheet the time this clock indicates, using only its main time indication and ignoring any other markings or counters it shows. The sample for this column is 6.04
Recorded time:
10.49
